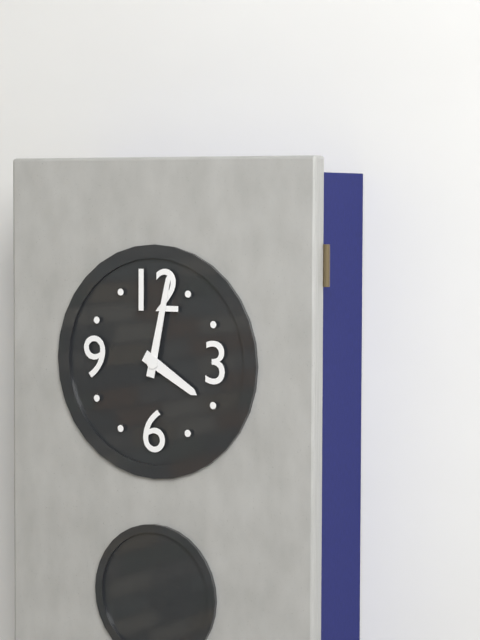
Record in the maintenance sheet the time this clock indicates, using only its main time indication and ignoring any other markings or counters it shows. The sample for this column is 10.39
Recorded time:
4.02
